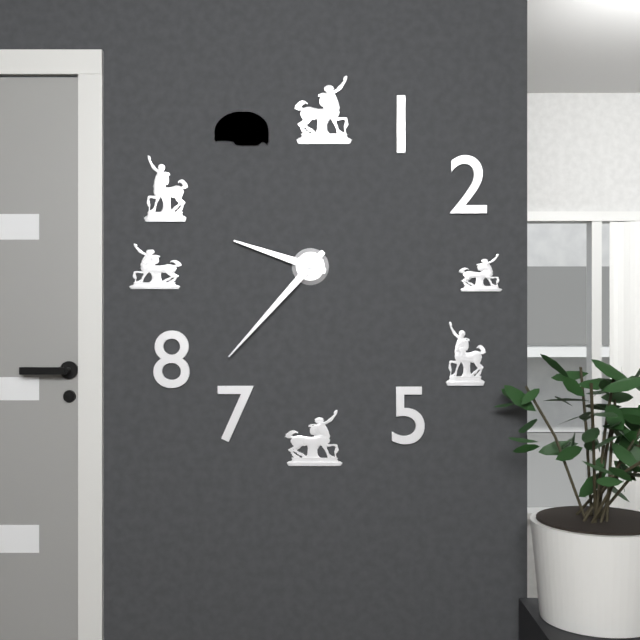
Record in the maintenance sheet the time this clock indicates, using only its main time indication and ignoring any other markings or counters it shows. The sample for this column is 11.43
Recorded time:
9.37
